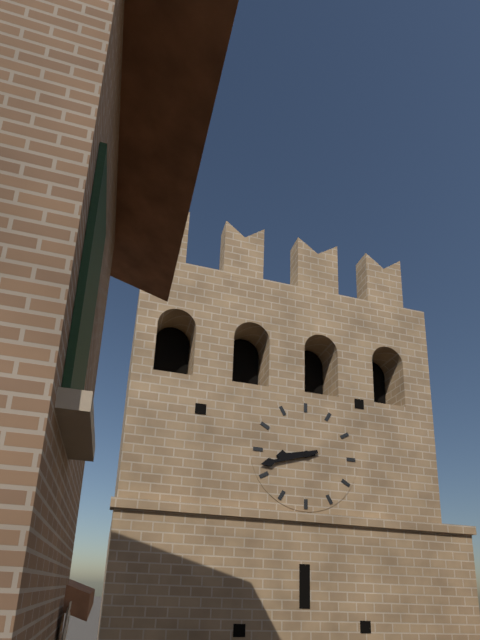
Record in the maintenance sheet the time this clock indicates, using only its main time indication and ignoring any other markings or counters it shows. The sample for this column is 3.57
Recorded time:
8.42
